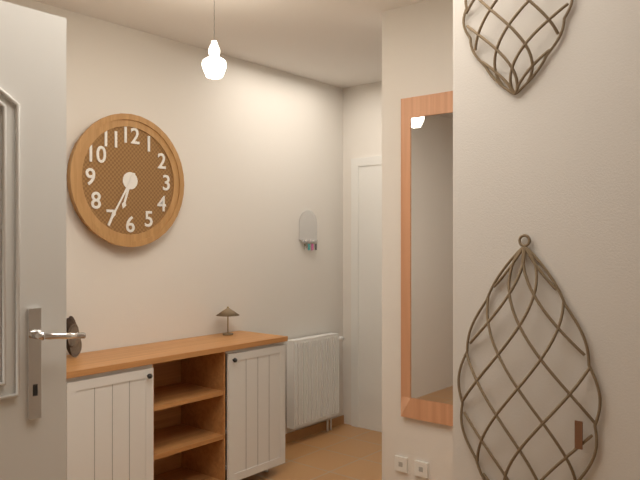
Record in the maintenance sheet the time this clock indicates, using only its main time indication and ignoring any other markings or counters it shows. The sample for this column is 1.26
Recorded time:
6.35
